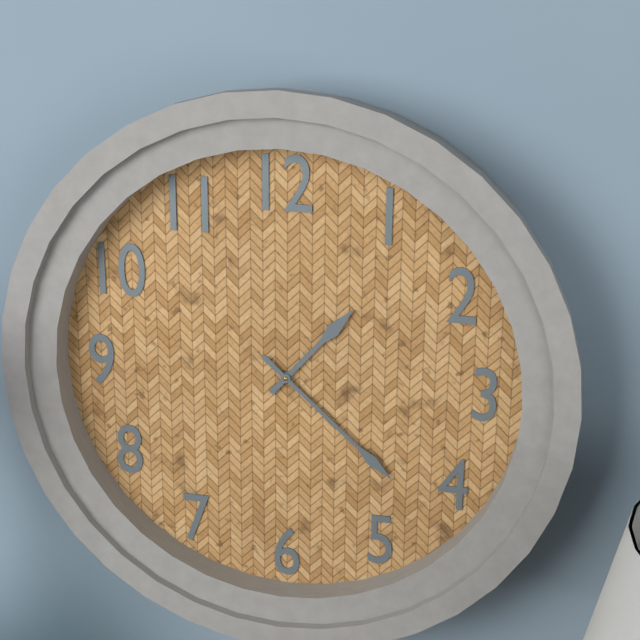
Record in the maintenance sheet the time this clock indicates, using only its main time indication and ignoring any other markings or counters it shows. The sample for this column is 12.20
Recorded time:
1.22
